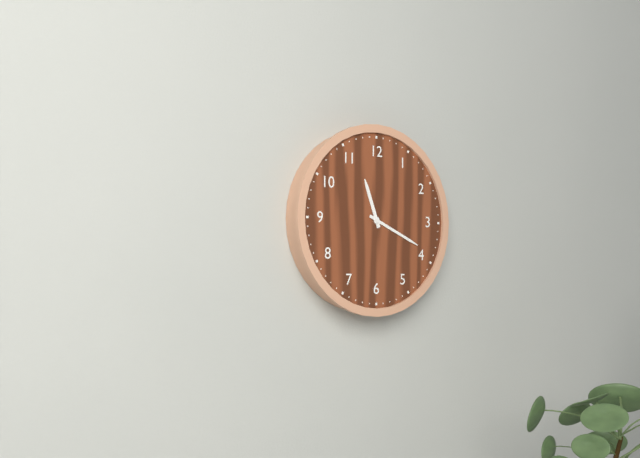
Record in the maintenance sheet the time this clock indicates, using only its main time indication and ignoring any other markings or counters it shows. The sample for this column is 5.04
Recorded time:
11.19
